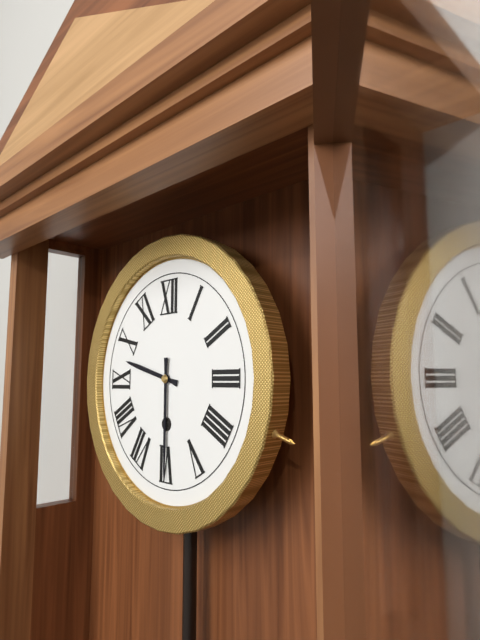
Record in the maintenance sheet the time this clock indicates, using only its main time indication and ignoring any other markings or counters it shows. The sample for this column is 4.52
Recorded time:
9.30
